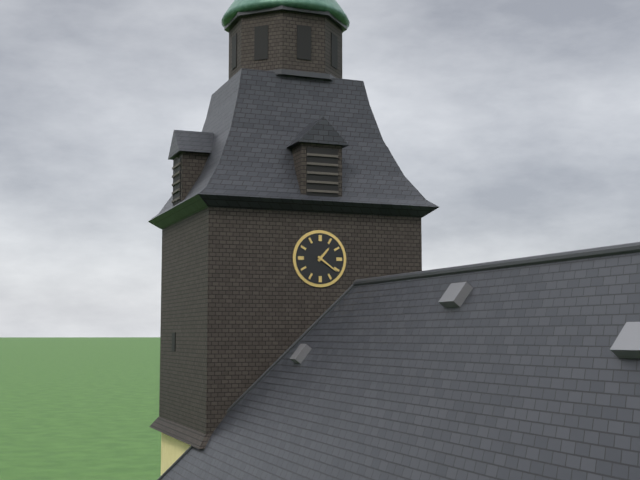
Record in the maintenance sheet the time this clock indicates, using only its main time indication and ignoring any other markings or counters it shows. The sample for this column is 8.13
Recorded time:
1.21
